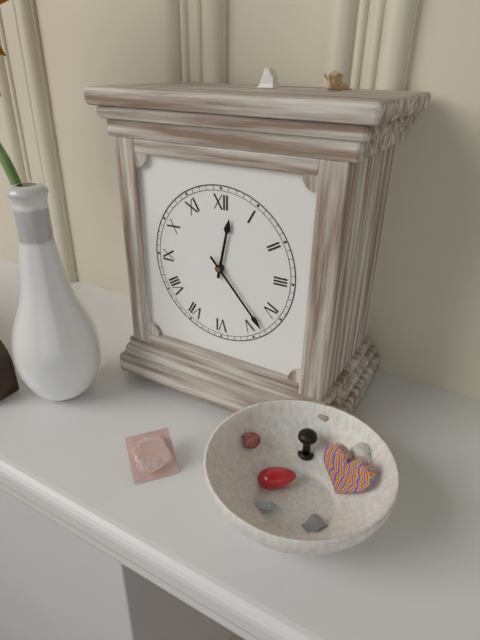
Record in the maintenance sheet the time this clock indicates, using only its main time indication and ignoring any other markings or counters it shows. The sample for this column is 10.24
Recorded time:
12.23
